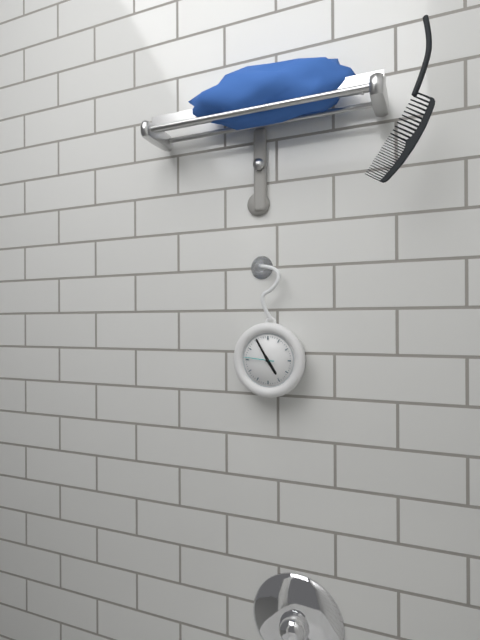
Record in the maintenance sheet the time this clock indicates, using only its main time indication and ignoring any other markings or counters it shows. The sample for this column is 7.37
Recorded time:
4.55
